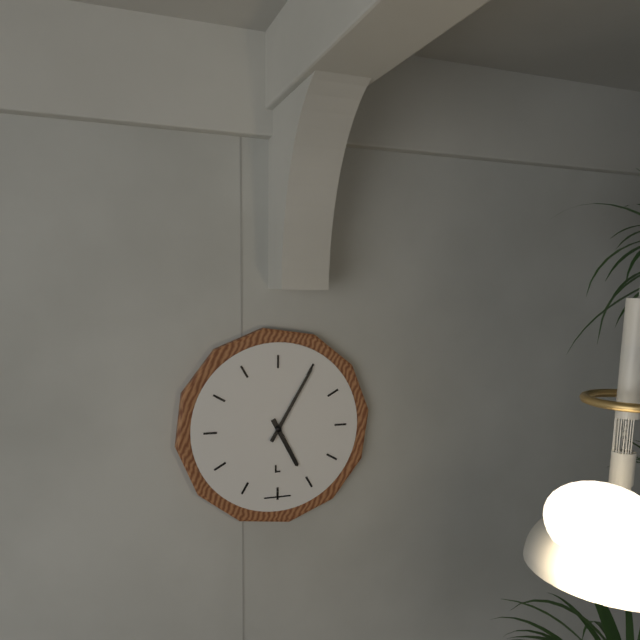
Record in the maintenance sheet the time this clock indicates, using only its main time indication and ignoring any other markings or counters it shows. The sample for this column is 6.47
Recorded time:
5.05
